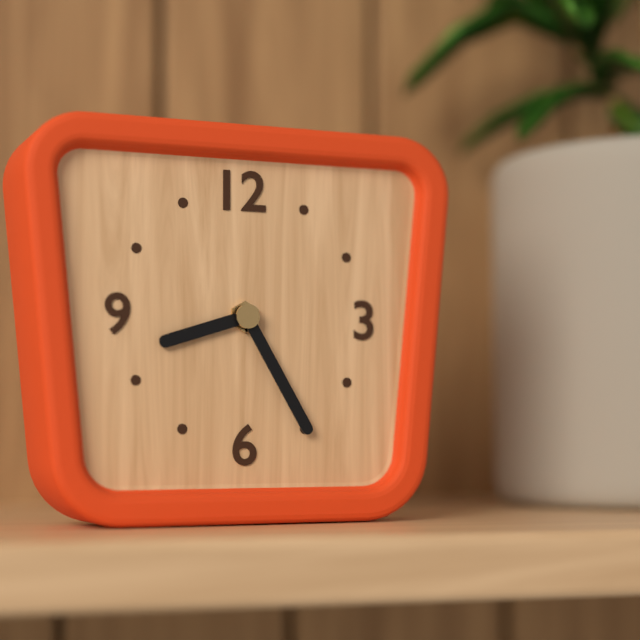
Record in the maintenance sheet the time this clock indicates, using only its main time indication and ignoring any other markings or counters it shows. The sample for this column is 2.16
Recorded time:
8.25
